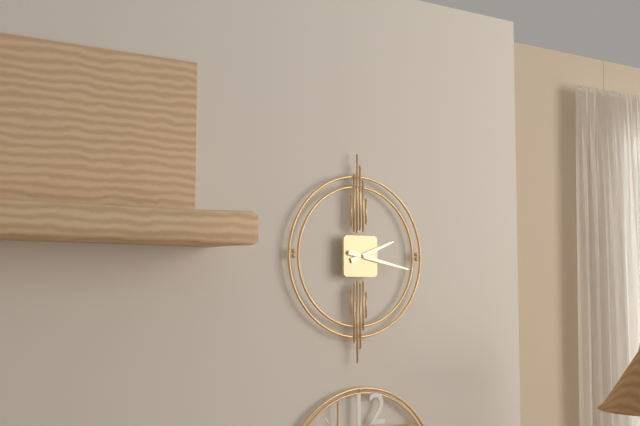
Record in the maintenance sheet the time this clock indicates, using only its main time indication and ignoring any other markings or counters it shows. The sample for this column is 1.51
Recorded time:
2.17
